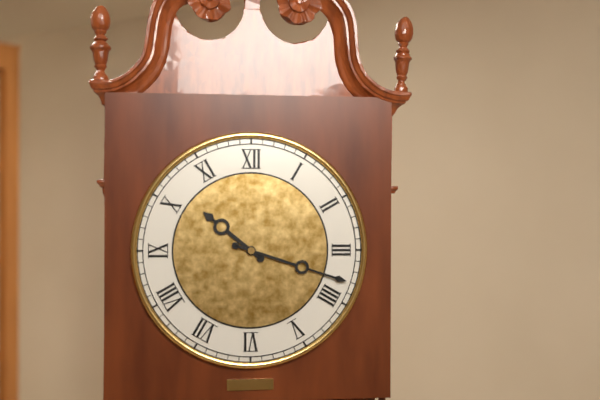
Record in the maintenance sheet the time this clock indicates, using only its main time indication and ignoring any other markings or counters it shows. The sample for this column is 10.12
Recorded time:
10.18
